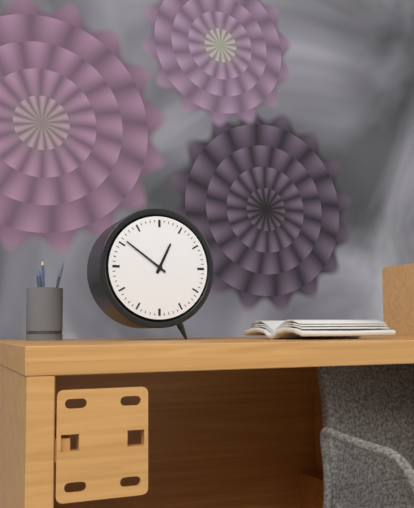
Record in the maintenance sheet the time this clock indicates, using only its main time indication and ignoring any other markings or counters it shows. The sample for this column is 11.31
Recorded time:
12.51
